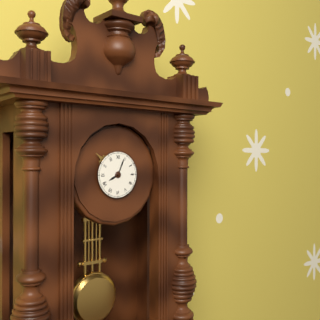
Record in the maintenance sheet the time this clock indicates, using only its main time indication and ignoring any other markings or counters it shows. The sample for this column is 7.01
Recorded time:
8.04
